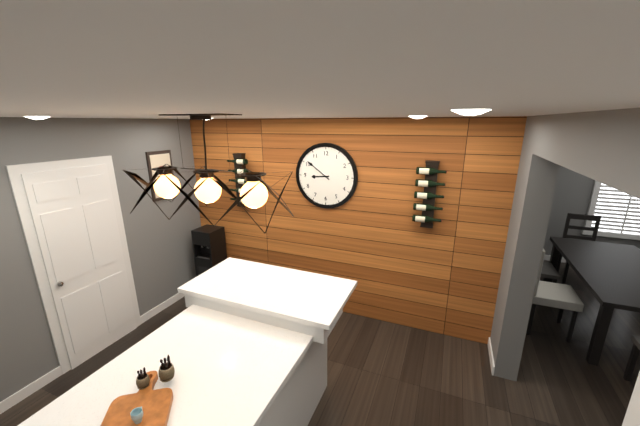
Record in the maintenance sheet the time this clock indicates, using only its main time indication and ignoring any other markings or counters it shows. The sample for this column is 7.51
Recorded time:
8.51
